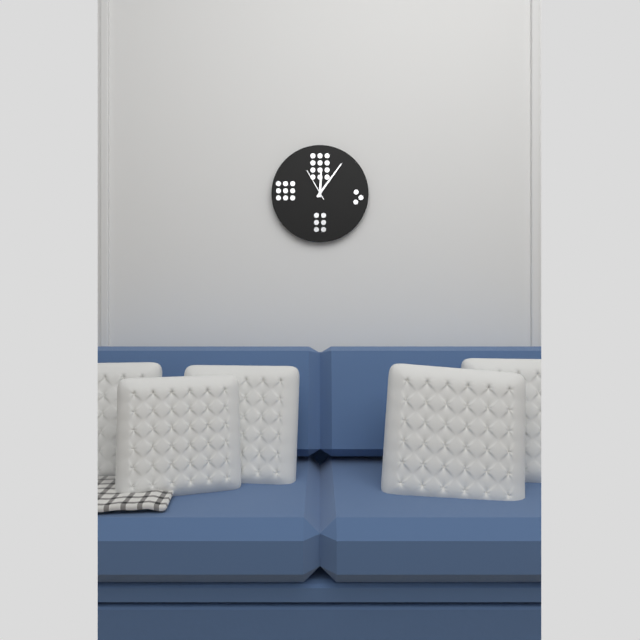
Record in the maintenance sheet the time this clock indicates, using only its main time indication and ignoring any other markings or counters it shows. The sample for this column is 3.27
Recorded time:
12.06
